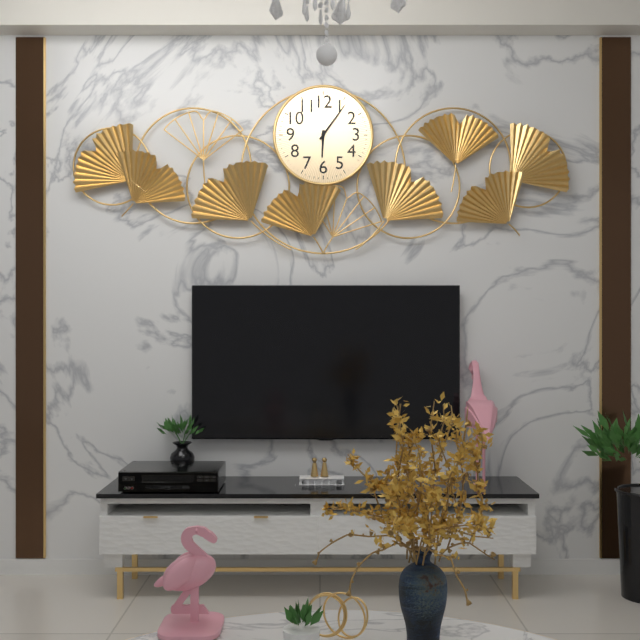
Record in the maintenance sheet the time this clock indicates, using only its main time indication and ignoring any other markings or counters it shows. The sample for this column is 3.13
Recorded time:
6.06
